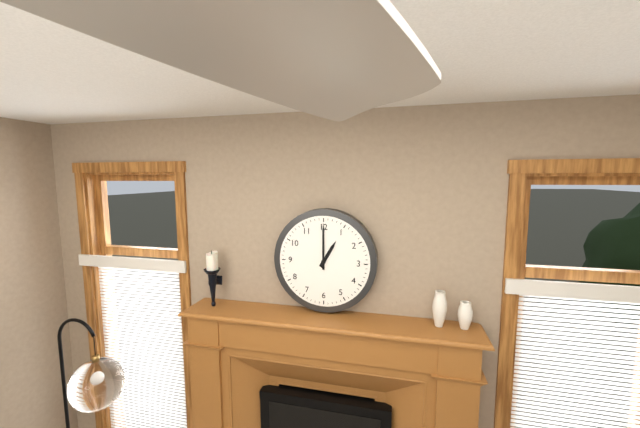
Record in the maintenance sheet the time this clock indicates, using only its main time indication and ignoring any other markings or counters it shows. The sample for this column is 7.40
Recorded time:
1.00
